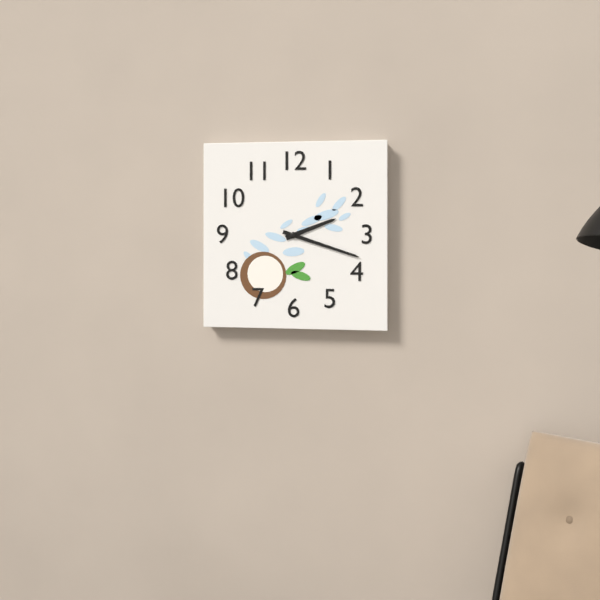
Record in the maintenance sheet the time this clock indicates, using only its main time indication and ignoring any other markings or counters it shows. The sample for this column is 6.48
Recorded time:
2.18
